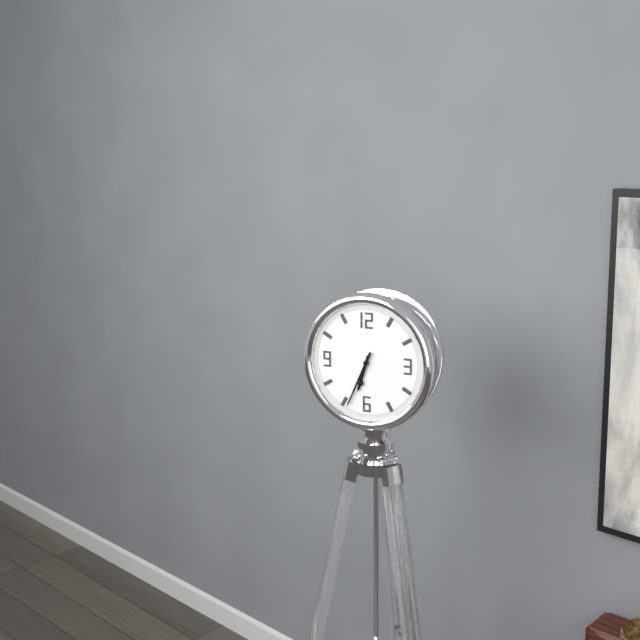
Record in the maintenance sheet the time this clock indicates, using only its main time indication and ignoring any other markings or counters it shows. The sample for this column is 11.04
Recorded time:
6.34
